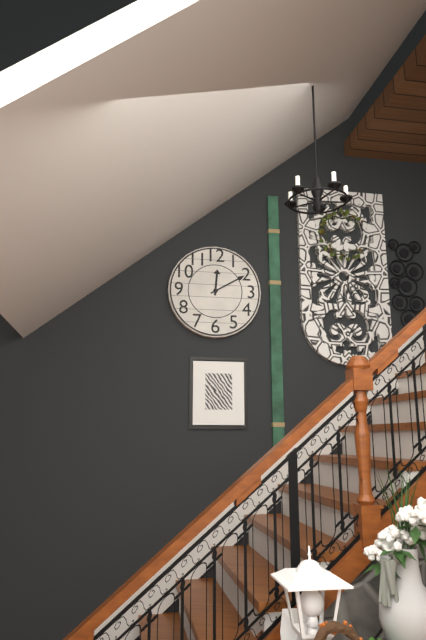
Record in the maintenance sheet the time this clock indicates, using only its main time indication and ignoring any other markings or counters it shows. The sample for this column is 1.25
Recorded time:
12.10
